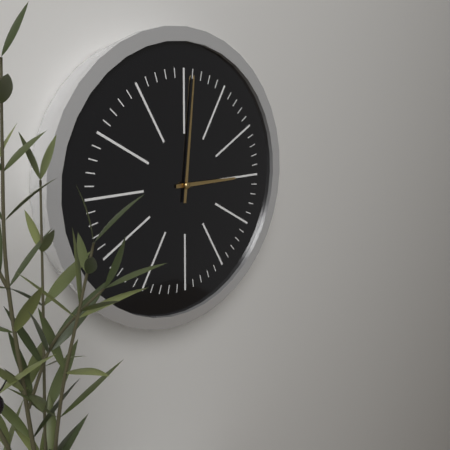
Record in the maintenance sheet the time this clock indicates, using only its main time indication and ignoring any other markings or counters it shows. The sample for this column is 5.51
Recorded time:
3.01
